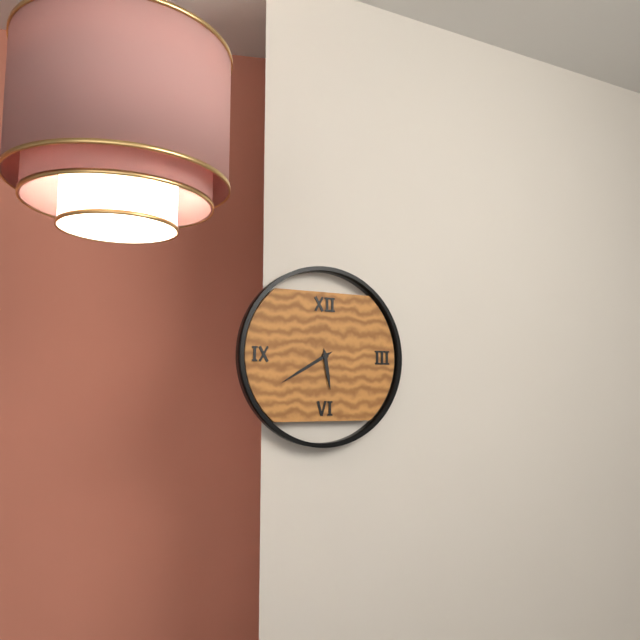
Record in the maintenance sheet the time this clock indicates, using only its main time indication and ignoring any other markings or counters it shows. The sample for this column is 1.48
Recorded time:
5.40
